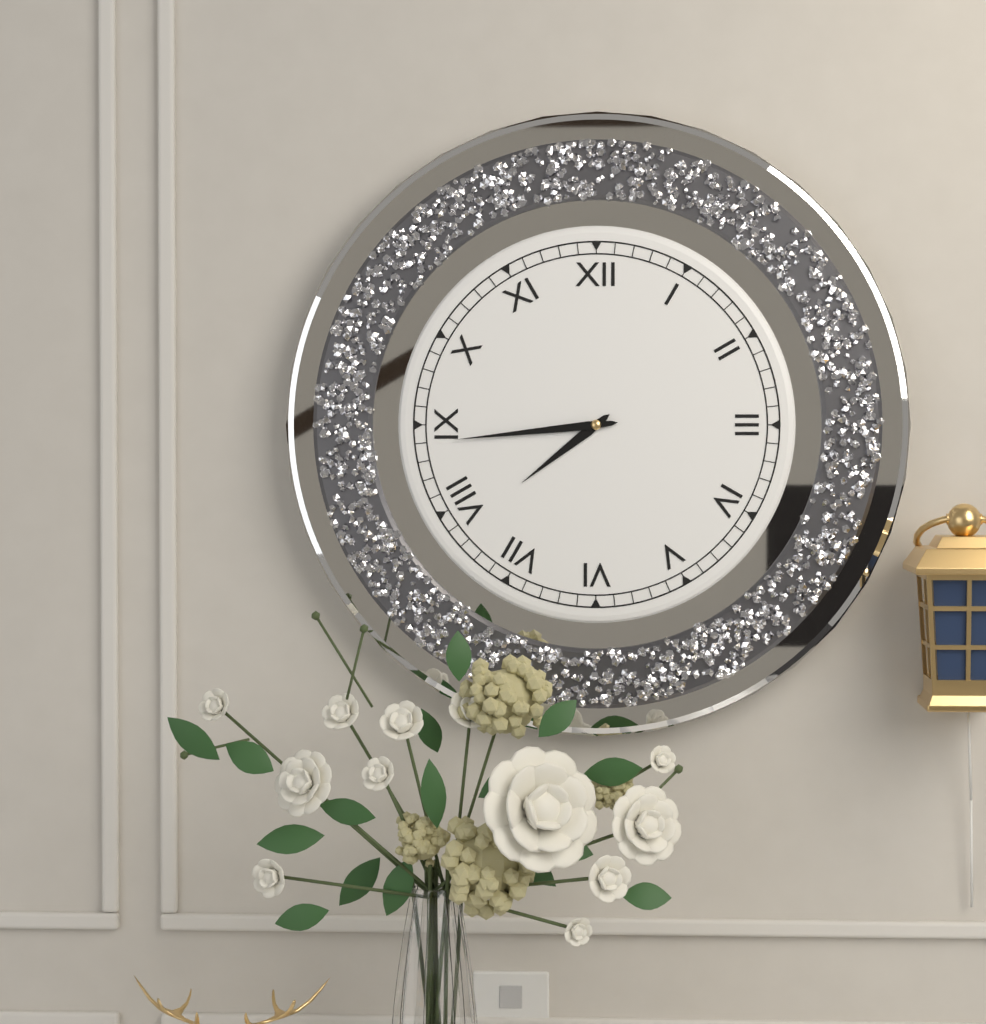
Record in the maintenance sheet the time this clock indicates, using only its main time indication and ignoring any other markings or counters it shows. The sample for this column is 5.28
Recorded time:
7.44
